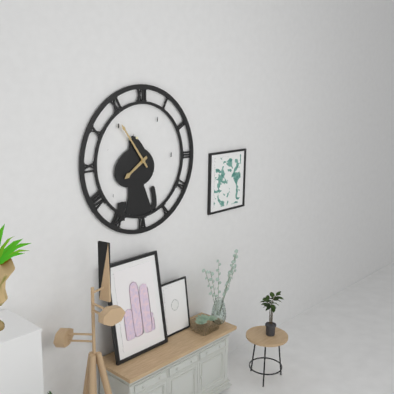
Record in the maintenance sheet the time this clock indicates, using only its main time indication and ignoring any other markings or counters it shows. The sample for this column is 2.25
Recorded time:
7.54
